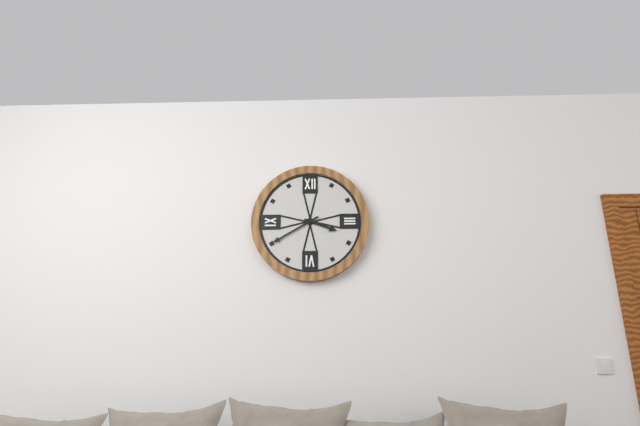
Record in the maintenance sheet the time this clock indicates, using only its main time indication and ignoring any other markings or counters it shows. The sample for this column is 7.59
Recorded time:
3.40
